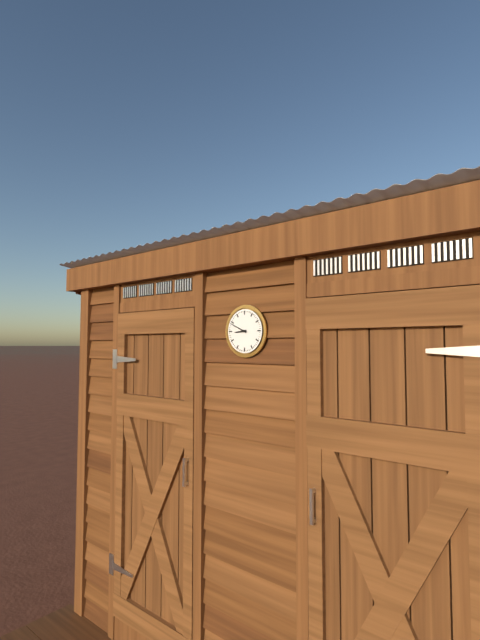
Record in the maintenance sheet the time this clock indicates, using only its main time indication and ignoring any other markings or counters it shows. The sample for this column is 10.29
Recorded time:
8.49
